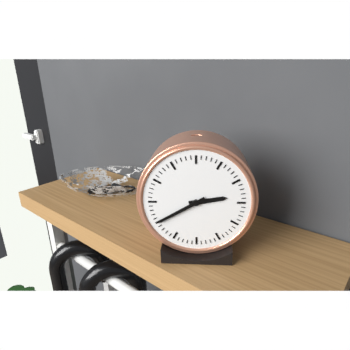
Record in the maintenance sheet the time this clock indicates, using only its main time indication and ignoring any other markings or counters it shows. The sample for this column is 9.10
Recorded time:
2.40
